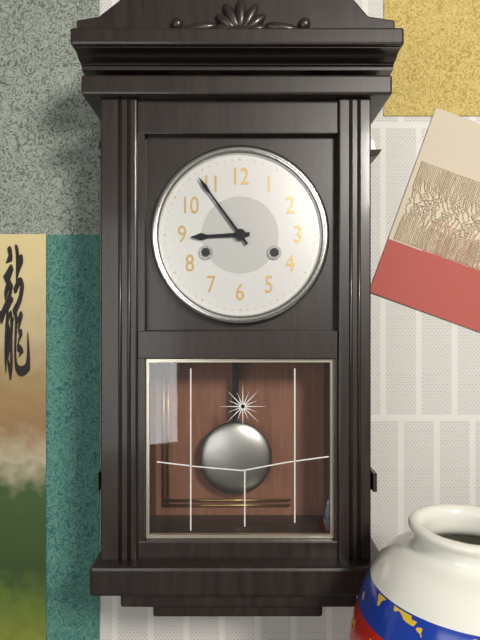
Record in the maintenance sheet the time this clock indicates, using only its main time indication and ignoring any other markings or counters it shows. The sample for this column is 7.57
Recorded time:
8.54
